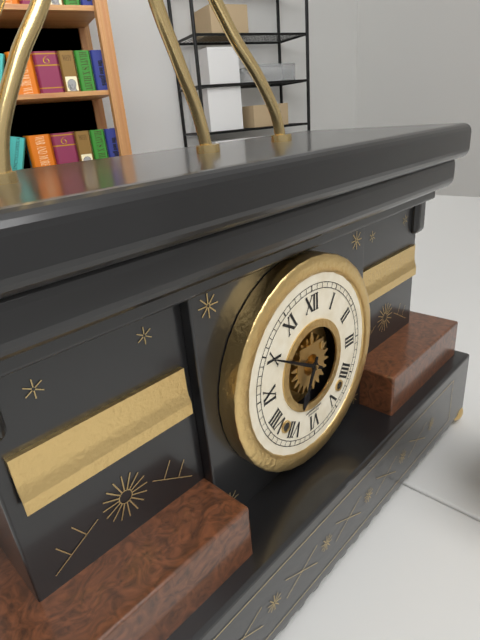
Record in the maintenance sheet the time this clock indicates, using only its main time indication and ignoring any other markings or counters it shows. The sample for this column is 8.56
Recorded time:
6.50
